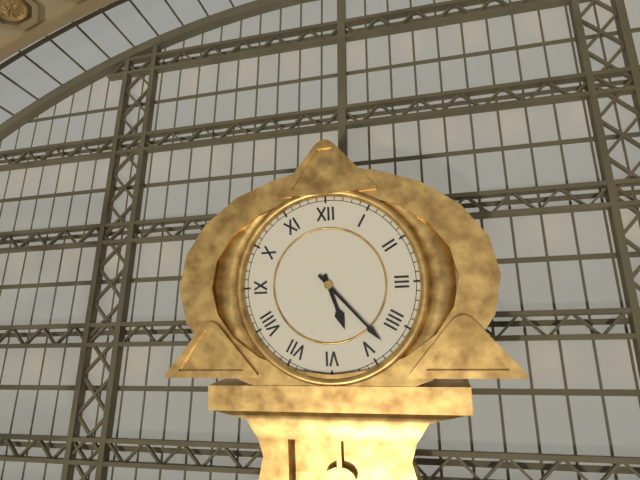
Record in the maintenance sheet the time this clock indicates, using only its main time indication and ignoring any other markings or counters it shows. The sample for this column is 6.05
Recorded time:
5.23
